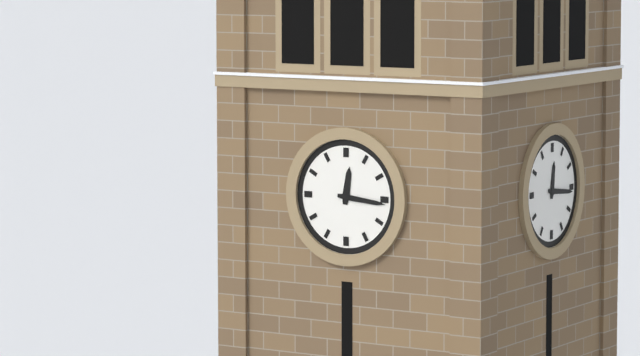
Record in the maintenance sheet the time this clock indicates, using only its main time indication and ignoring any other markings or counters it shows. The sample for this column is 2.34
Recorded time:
12.16
